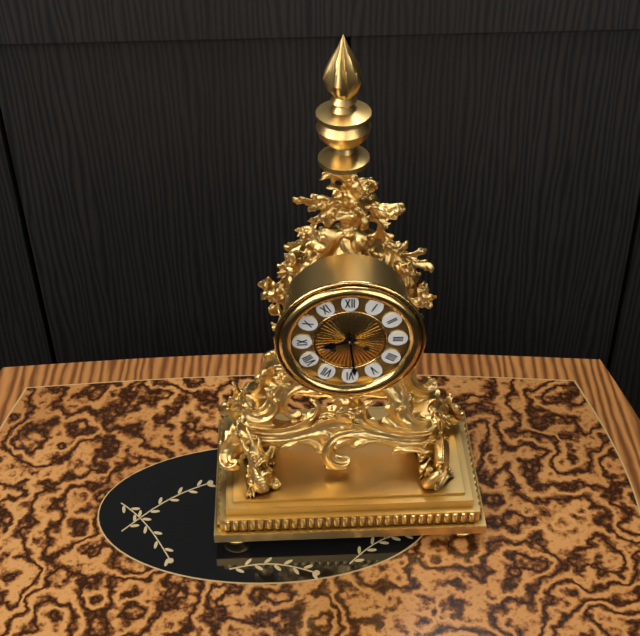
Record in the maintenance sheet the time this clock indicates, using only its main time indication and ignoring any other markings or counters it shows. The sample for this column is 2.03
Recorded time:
8.29
